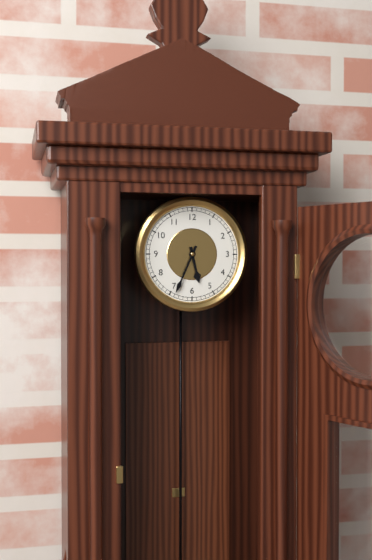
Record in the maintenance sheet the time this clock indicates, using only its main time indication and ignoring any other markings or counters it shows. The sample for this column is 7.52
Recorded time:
5.34
